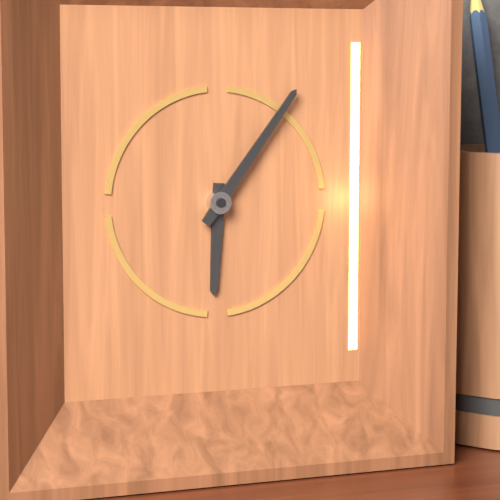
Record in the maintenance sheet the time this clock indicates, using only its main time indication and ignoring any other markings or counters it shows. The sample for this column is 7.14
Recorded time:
6.06
